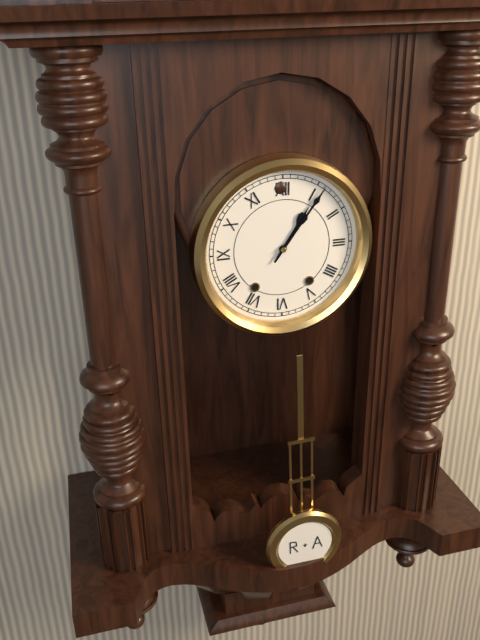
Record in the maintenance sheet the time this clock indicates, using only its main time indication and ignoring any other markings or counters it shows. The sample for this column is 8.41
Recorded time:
1.06
